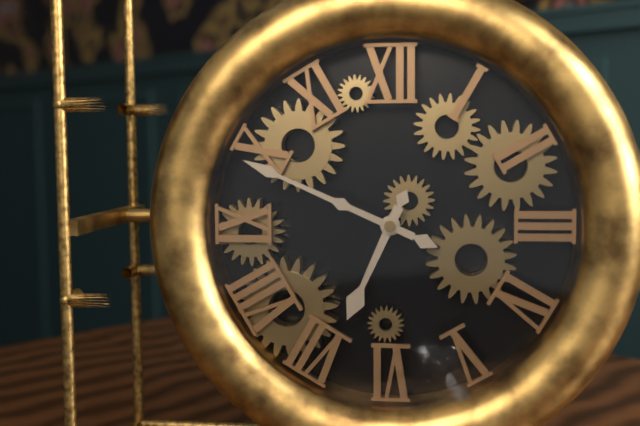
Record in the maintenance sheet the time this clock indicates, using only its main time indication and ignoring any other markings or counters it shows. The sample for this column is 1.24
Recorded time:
6.49
